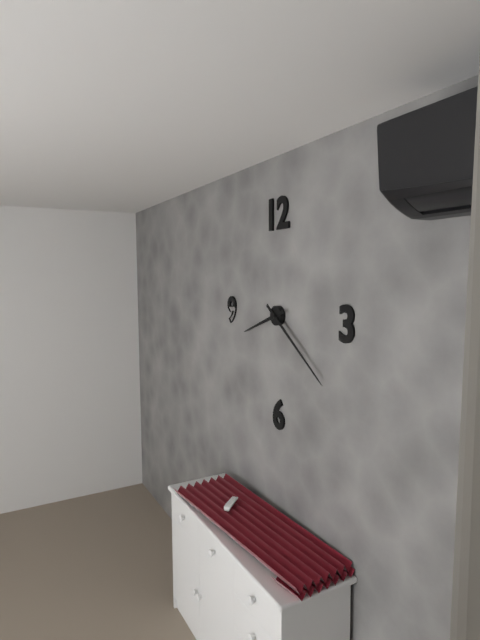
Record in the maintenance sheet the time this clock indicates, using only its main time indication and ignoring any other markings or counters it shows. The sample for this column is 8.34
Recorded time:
8.21
